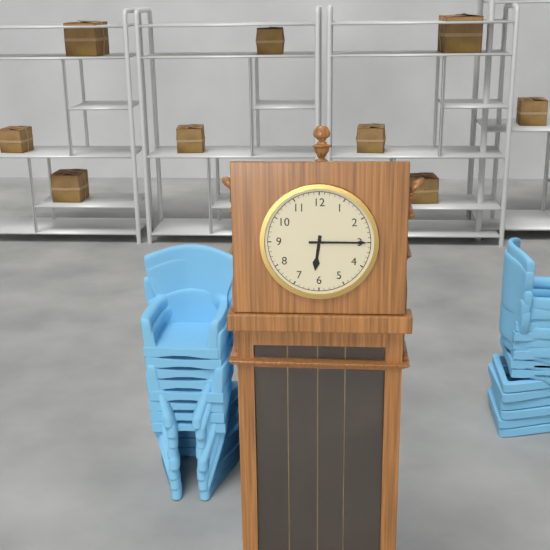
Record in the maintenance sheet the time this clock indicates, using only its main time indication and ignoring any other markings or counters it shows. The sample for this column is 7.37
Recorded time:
6.15
